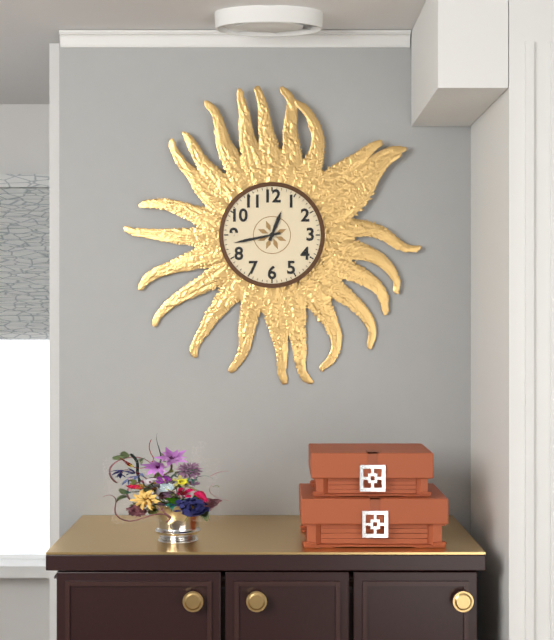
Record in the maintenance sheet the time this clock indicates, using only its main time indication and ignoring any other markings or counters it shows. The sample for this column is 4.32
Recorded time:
12.43
